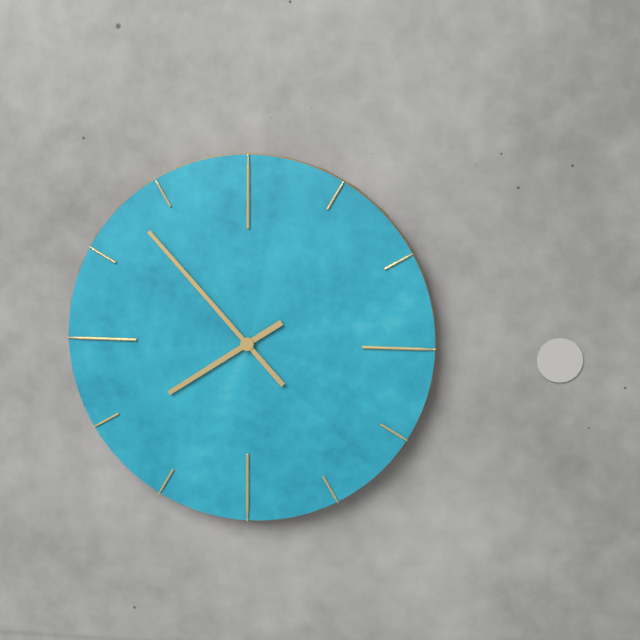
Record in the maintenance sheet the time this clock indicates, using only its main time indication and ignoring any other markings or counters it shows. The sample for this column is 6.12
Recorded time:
7.53
